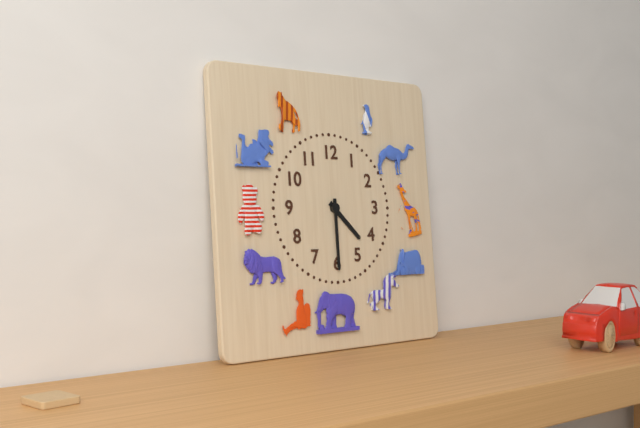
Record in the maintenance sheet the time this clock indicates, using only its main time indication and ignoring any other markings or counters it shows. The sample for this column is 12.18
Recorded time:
4.30
